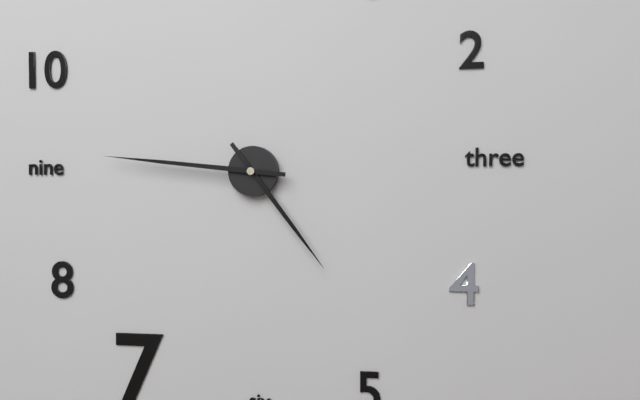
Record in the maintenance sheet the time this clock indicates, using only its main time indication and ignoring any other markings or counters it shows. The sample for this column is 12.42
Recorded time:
4.46
